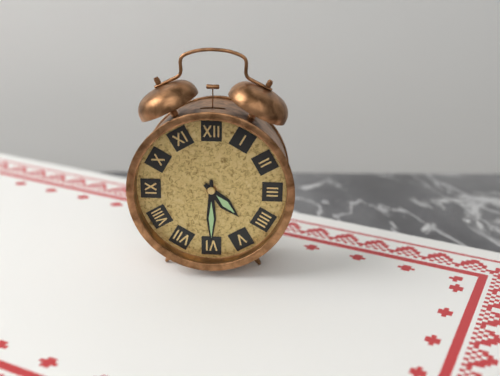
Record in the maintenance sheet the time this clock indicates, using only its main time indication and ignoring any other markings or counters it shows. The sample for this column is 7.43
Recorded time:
4.30
